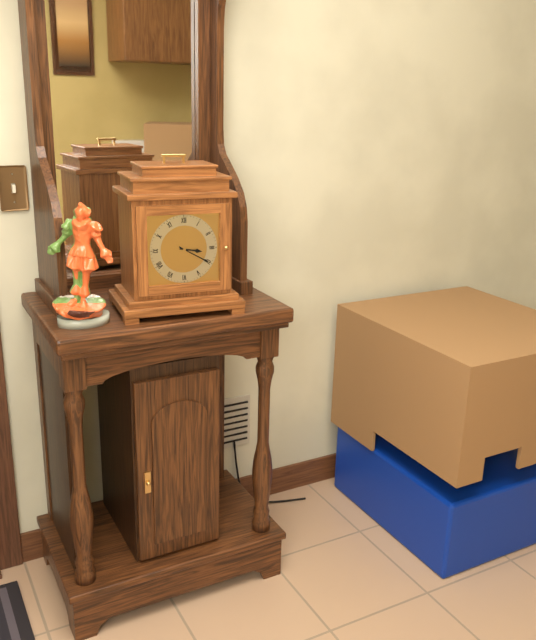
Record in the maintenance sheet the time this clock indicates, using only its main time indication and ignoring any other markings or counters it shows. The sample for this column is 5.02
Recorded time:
3.20
